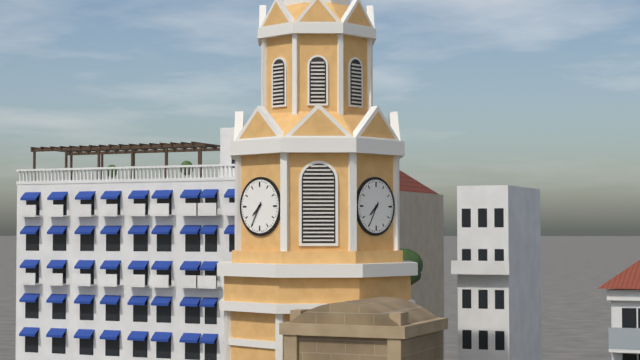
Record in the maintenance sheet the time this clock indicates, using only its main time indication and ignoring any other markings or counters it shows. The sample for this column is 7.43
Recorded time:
7.35
